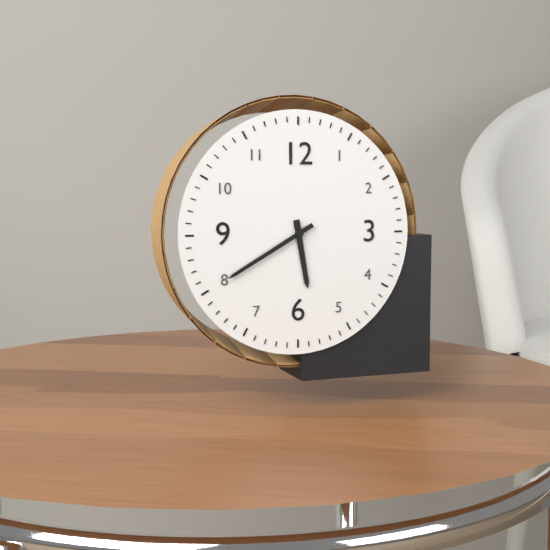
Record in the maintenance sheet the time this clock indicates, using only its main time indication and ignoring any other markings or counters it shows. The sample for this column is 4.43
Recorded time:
5.40
